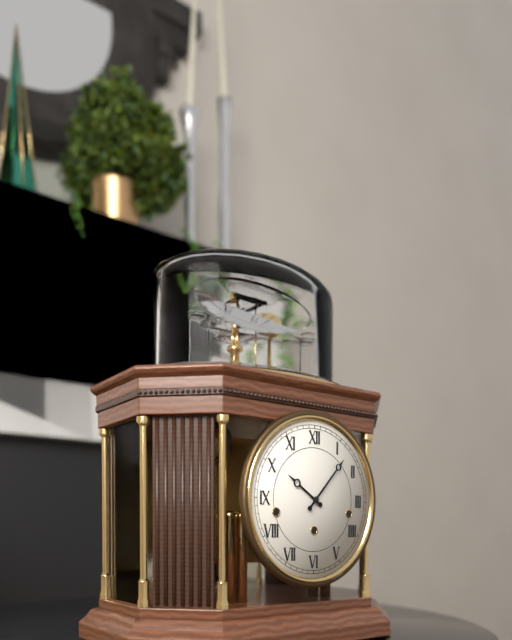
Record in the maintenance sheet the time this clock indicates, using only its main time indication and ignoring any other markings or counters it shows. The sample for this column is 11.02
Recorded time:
10.07
